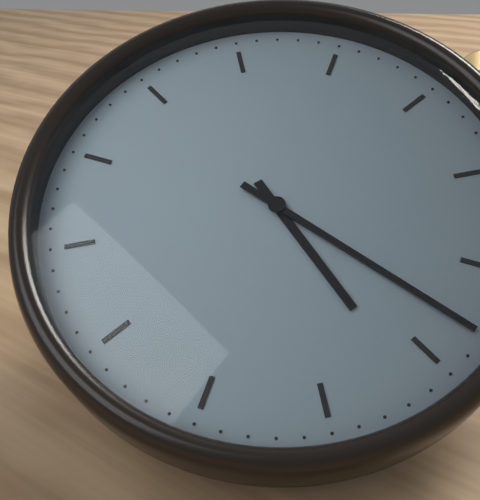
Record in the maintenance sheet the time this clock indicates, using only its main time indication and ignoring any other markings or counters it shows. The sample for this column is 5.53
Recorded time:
4.18
